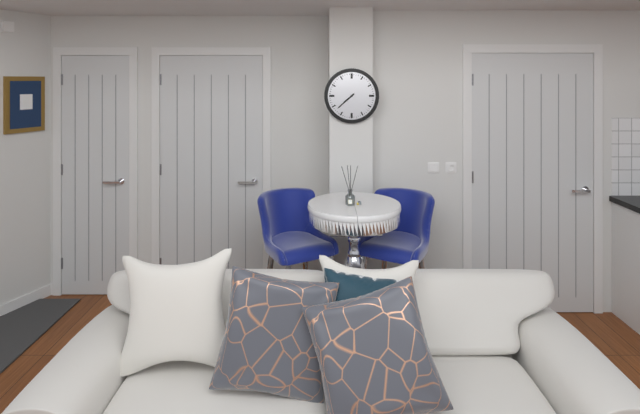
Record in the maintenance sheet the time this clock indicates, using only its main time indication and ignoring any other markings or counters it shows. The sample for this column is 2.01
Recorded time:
7.38
